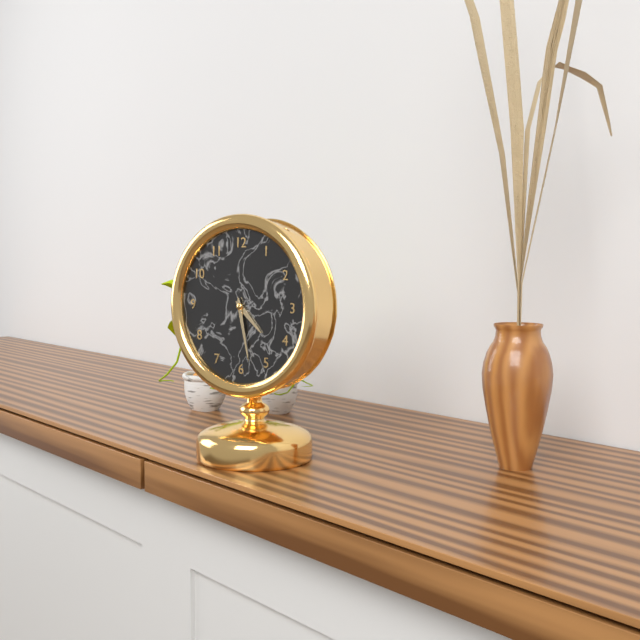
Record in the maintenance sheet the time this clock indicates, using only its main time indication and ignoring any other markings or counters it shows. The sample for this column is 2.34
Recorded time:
4.28
